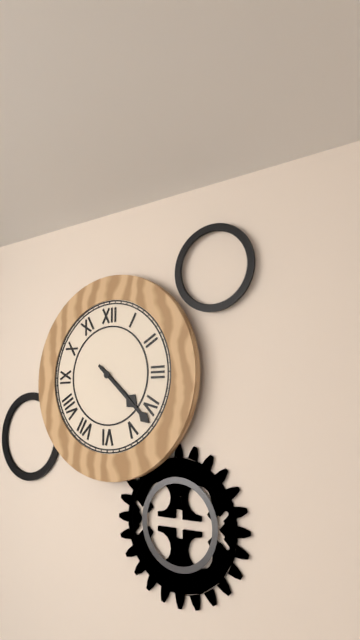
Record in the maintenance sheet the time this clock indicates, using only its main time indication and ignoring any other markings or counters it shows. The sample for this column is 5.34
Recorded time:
4.22
